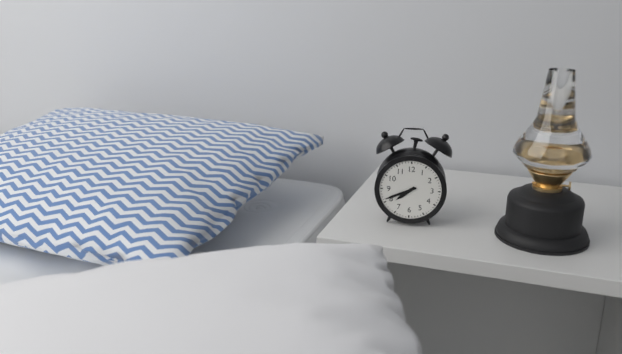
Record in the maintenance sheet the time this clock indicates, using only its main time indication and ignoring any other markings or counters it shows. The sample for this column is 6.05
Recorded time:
7.41
